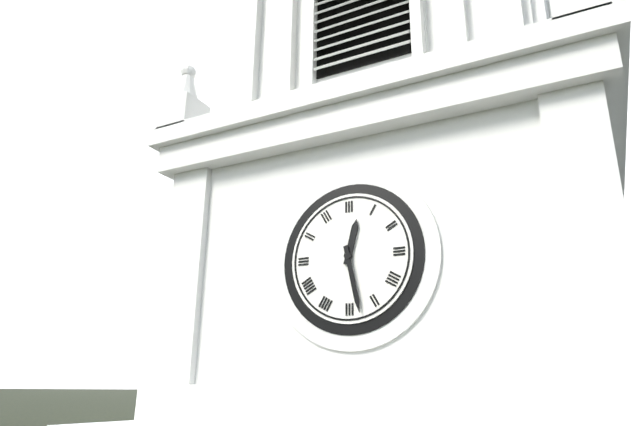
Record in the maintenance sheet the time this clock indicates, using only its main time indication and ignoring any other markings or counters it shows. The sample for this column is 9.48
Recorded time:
12.28
